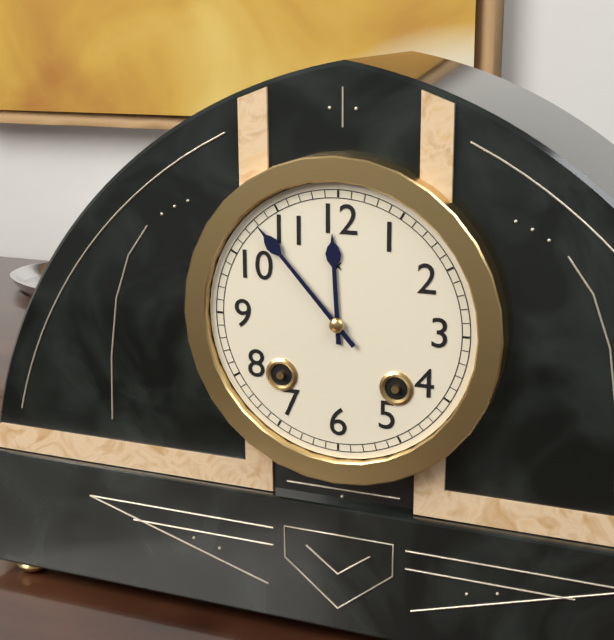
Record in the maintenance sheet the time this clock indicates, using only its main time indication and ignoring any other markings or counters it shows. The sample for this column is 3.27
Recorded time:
11.53
